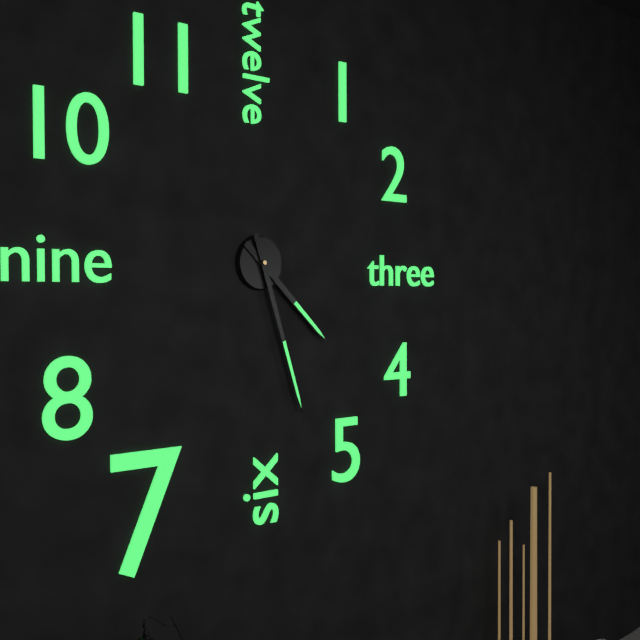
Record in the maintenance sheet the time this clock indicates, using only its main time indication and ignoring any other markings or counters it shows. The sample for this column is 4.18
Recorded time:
4.27
